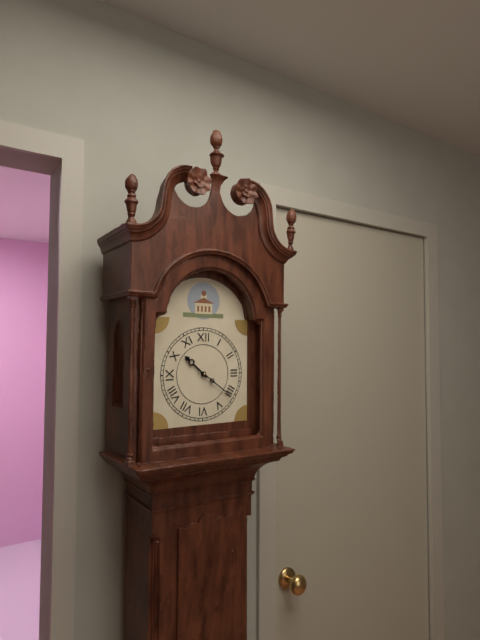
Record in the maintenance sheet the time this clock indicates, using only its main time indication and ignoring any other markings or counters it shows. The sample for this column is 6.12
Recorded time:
10.21
